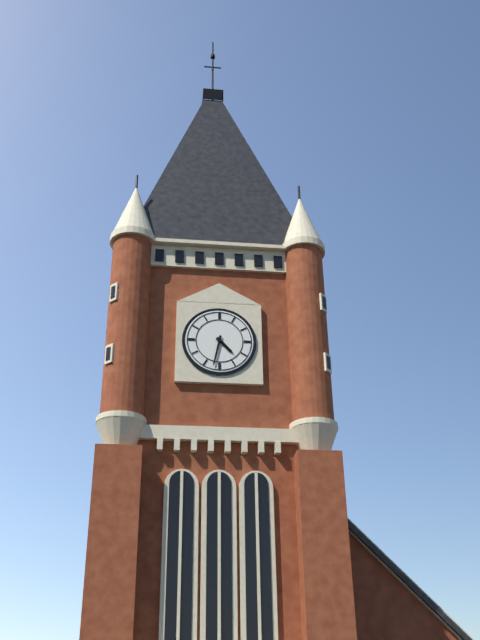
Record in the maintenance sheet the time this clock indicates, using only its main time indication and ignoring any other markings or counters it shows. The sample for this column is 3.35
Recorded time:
4.32
